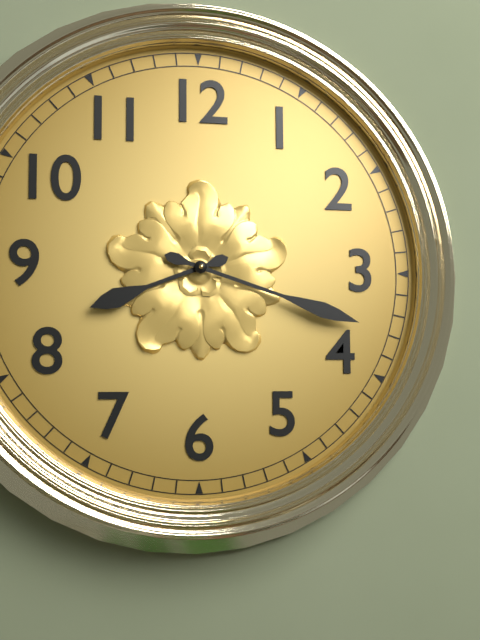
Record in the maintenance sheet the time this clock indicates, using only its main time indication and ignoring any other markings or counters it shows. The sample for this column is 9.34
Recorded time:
8.18
